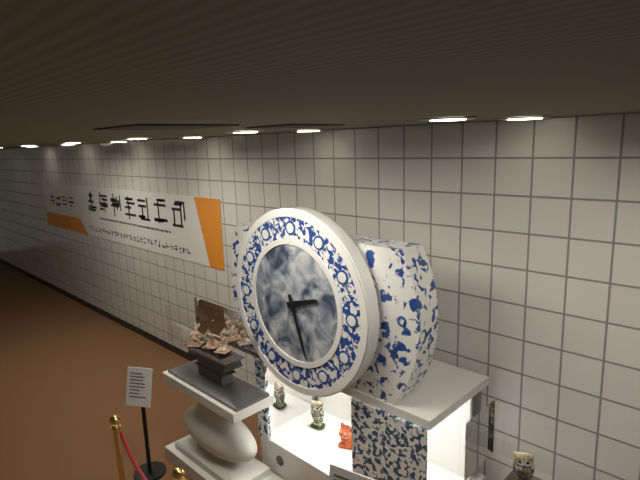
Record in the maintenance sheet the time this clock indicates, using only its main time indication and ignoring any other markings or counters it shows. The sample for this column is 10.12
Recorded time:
2.27
